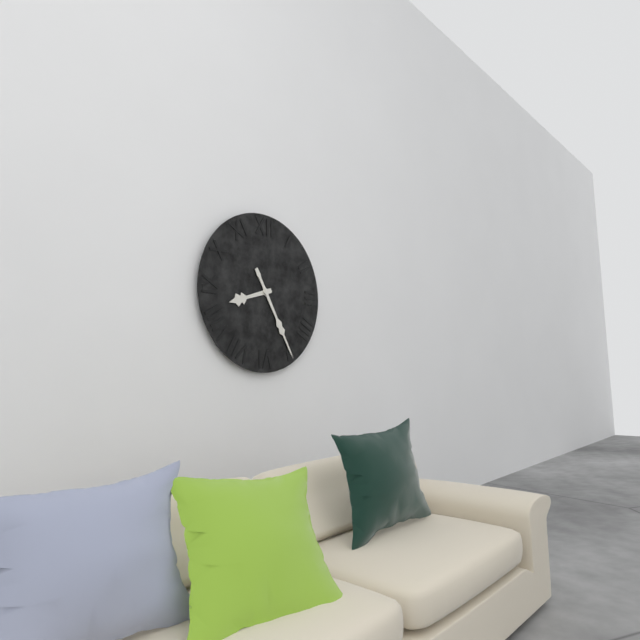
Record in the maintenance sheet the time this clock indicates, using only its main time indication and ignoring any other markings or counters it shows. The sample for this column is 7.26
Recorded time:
8.25
